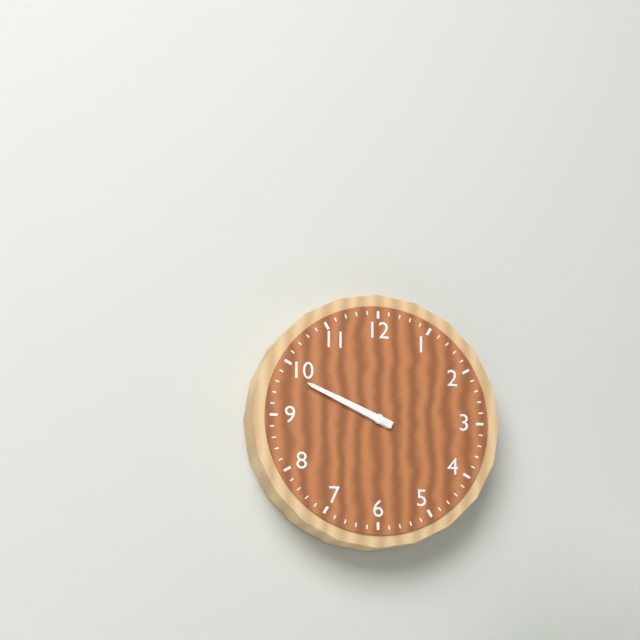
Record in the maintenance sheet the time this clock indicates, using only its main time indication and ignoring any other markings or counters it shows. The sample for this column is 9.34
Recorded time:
9.49
